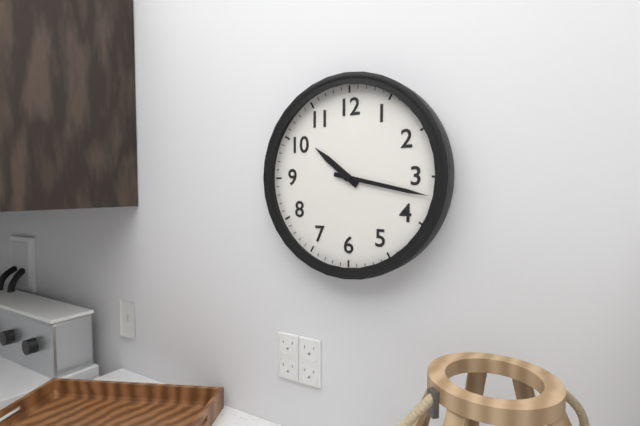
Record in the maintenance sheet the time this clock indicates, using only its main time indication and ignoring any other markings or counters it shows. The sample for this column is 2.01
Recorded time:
10.17
